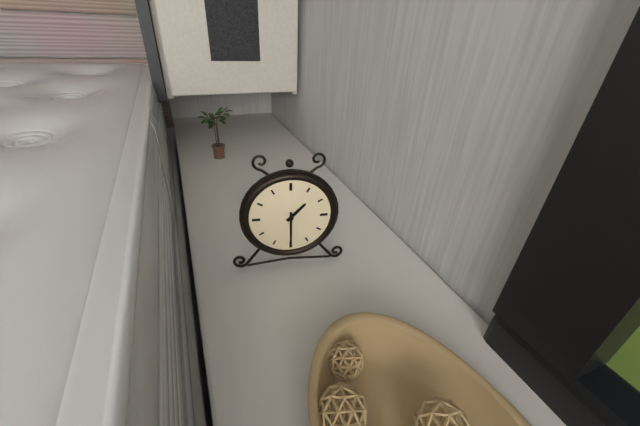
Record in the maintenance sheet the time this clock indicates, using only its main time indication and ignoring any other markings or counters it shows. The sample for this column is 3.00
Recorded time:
1.30
